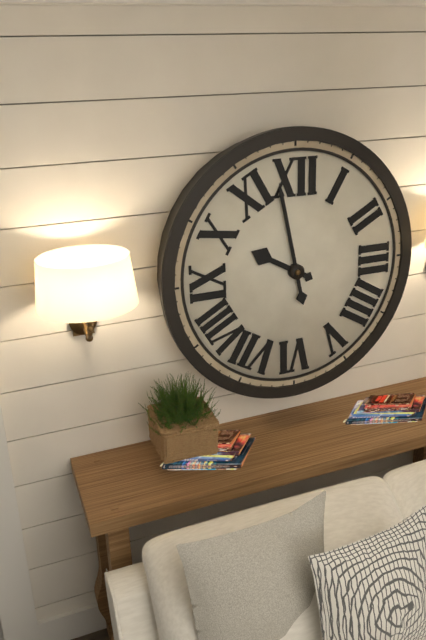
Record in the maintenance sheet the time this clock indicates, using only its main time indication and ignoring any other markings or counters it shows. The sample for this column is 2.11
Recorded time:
9.58
